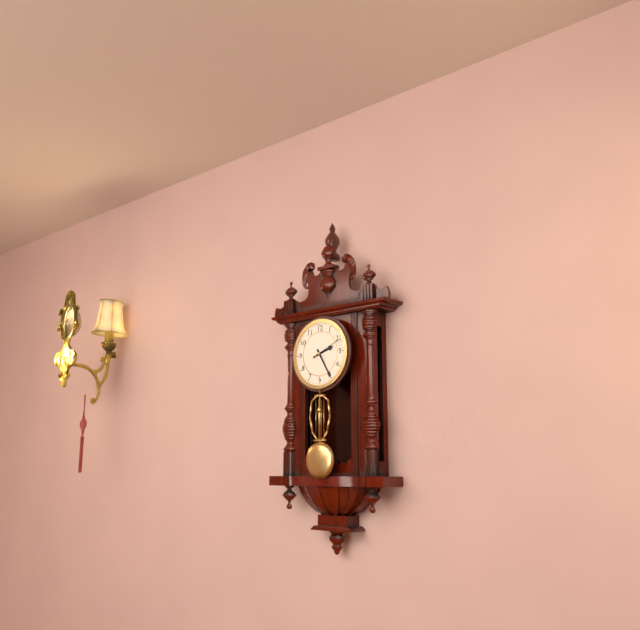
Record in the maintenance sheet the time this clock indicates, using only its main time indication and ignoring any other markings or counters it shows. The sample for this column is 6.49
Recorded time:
2.25
